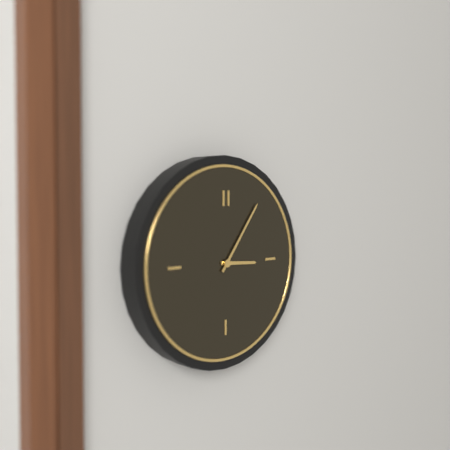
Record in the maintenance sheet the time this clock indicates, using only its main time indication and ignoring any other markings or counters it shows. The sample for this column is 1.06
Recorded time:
3.06
